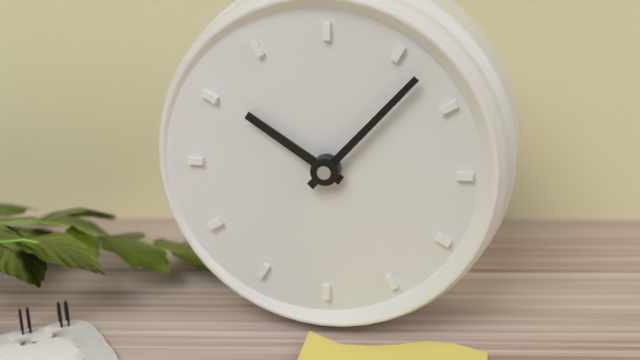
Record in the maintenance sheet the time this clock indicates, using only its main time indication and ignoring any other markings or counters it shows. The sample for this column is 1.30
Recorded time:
10.07
